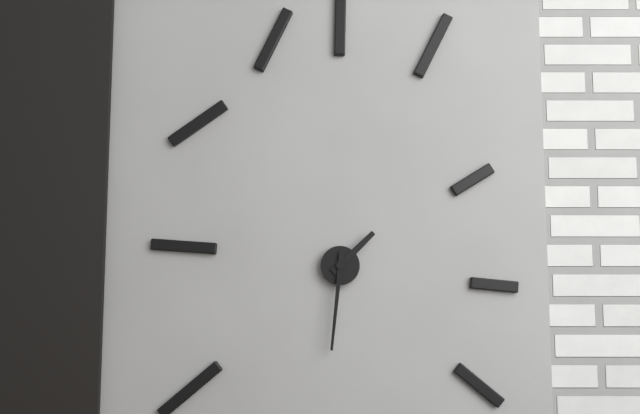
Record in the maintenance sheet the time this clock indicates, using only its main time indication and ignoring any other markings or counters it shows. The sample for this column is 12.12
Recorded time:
1.31
